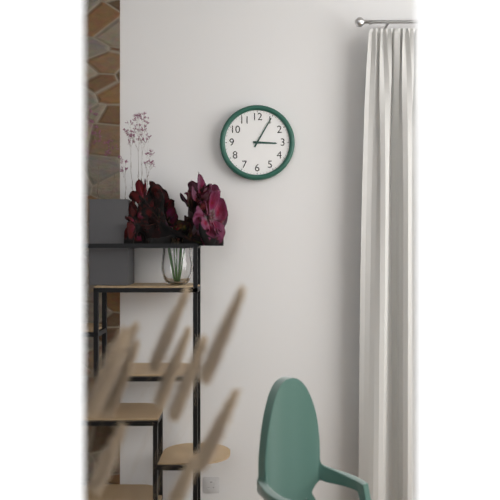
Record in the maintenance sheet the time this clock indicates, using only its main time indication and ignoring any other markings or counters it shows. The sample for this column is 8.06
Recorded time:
3.05
